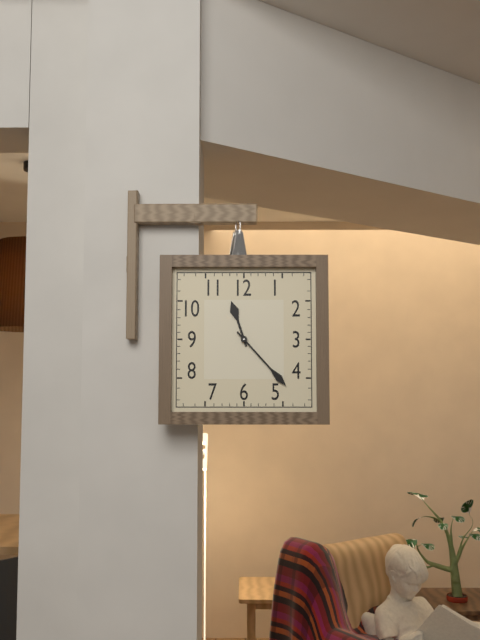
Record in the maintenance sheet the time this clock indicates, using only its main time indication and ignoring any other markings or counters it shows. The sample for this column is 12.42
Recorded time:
11.23
